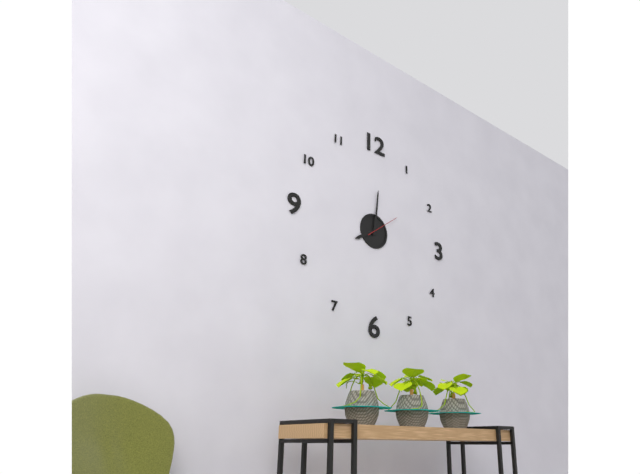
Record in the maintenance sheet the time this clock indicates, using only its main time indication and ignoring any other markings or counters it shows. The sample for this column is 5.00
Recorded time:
8.01
